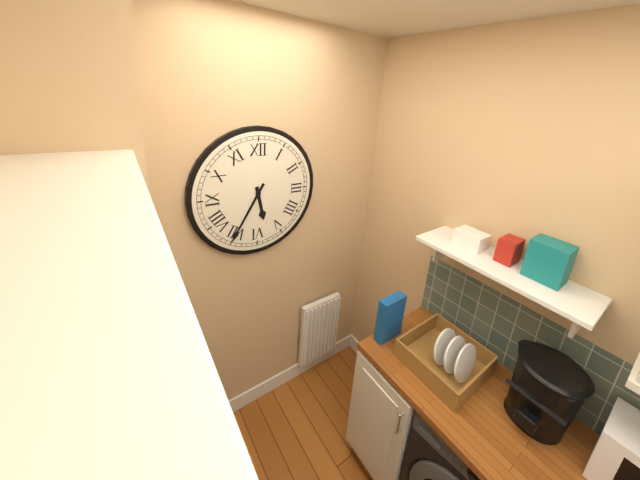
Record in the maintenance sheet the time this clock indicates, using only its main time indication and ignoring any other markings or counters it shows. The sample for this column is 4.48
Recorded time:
5.35
